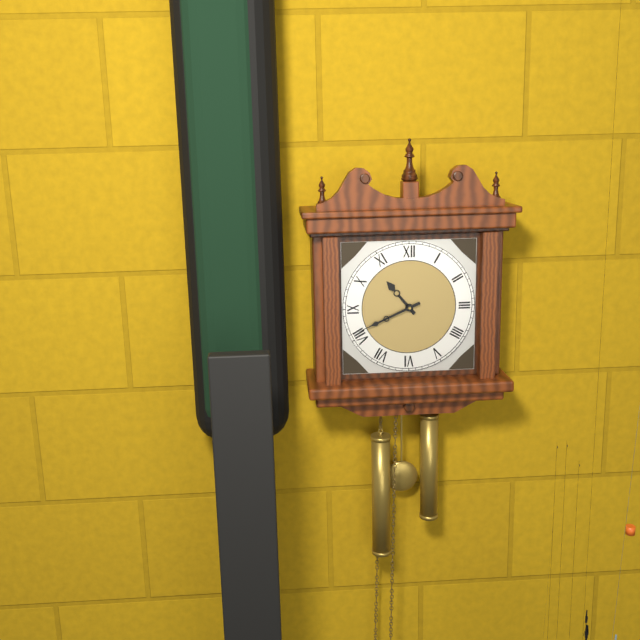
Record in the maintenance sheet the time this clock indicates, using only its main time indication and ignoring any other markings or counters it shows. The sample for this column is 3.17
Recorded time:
10.41
